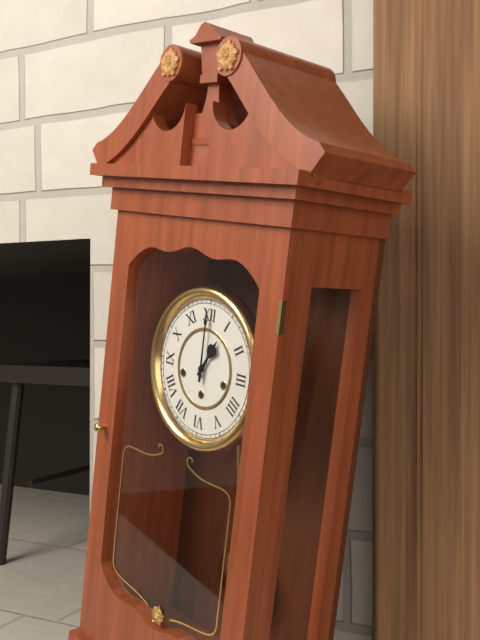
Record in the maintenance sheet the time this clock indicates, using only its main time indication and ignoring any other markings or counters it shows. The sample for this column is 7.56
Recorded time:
1.00
